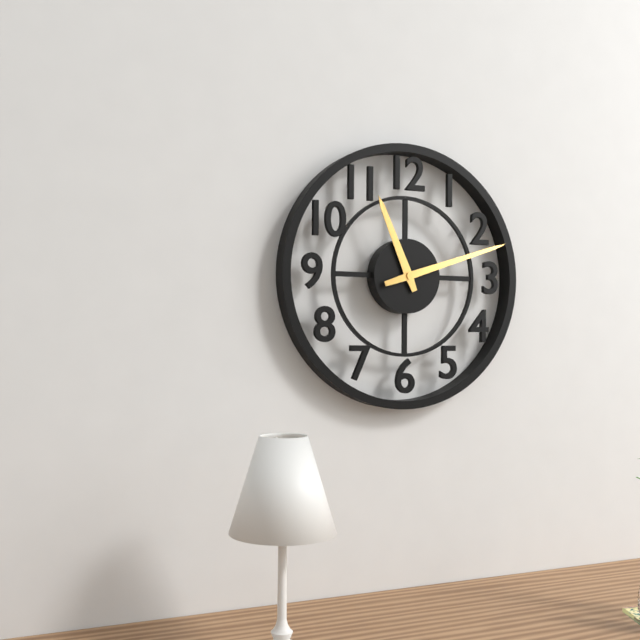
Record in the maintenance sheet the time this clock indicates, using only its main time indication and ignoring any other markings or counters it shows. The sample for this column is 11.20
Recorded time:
11.12
